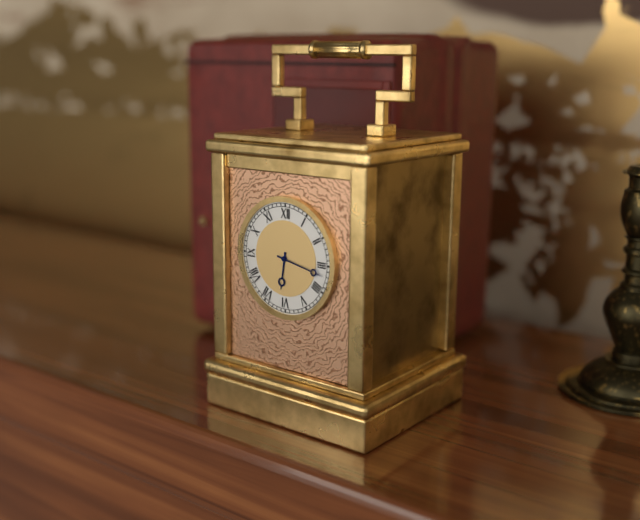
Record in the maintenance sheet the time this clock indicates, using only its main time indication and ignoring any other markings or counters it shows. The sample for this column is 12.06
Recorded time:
6.17
